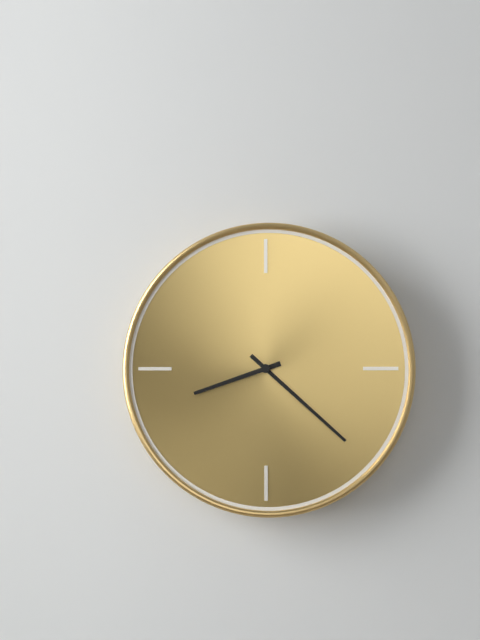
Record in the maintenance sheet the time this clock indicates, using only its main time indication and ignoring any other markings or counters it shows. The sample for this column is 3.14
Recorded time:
8.22
